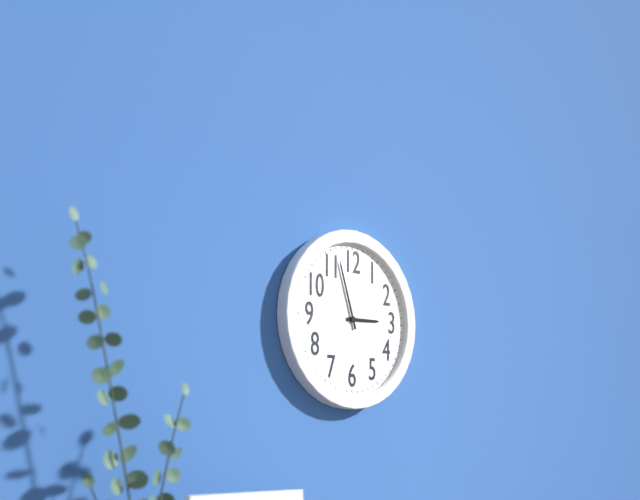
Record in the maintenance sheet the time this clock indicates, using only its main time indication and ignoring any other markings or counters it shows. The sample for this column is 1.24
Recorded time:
2.57
